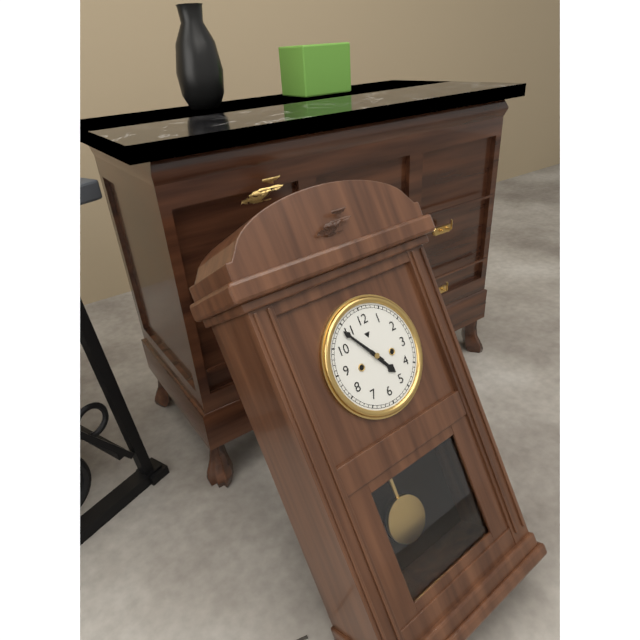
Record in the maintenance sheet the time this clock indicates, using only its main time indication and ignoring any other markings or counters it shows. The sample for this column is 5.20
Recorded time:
4.54
